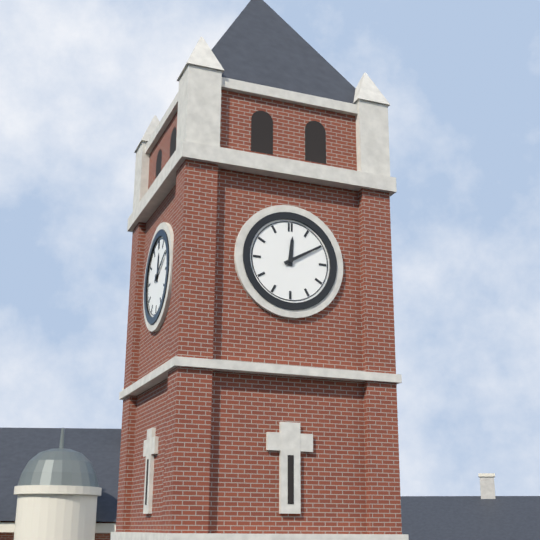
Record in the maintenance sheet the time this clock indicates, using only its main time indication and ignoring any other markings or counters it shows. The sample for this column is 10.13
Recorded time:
12.10
